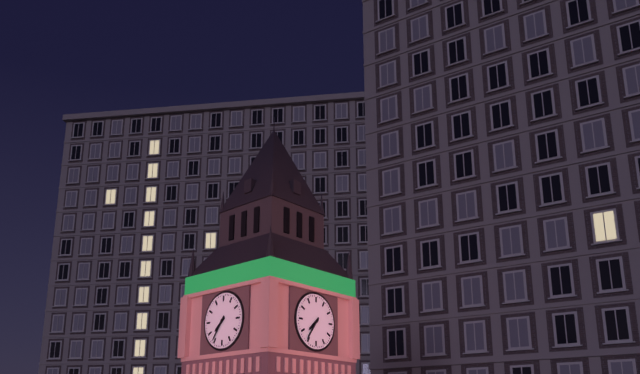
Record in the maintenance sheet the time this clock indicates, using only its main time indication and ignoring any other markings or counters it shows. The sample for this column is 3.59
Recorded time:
7.36
